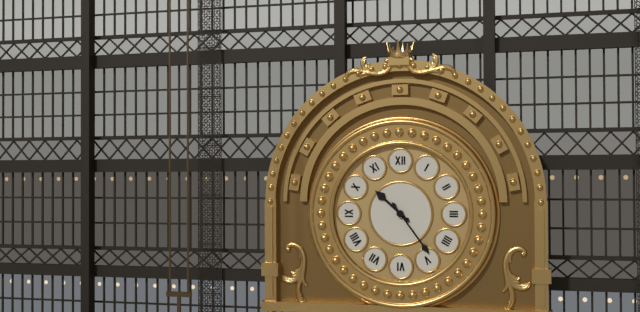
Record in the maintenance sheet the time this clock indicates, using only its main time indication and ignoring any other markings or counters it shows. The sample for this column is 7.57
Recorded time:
10.24
